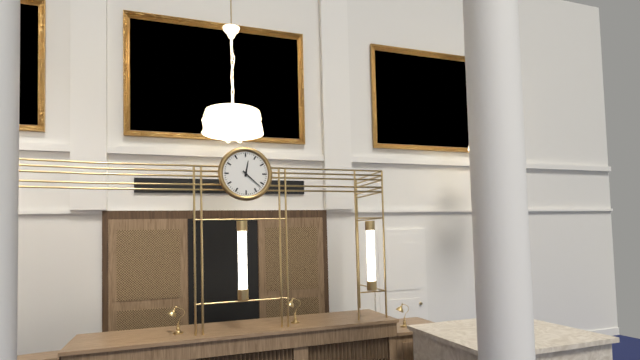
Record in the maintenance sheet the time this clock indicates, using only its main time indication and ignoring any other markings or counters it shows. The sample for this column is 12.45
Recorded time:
12.22
